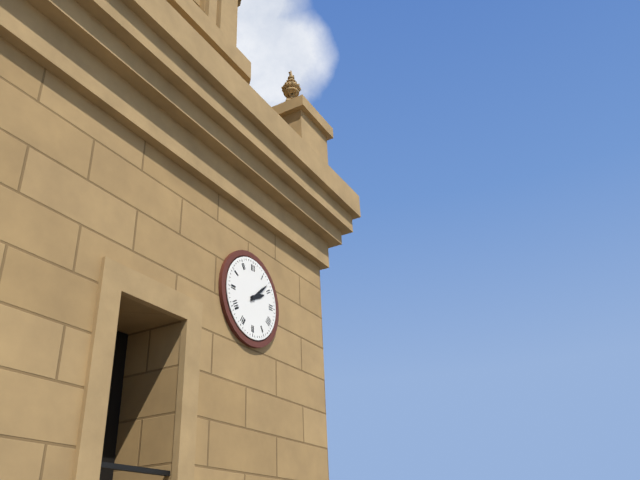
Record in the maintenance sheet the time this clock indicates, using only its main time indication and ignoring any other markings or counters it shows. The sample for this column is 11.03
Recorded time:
2.08
